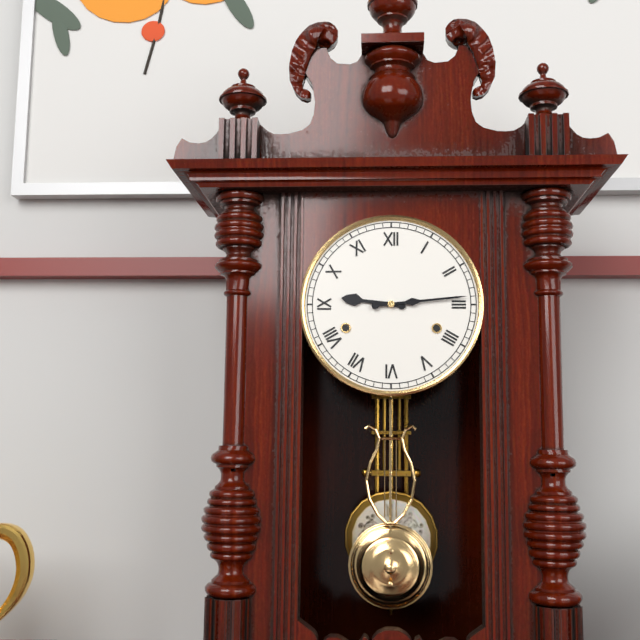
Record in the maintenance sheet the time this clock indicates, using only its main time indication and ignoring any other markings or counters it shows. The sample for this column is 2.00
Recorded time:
9.14
